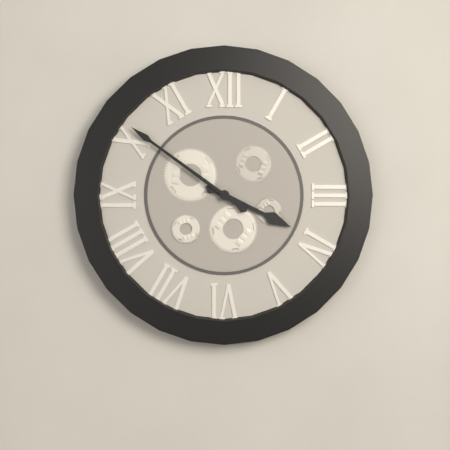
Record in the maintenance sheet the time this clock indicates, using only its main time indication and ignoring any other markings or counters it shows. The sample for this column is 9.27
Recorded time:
3.51
